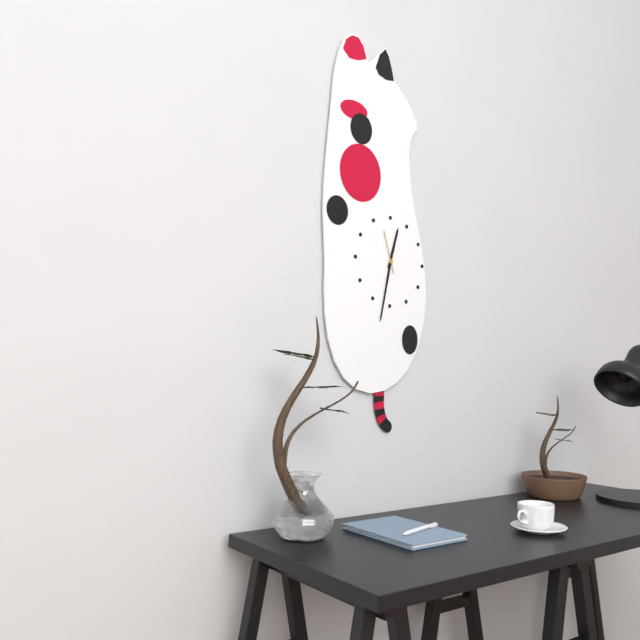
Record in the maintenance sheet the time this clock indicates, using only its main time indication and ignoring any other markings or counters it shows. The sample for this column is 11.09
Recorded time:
12.32
